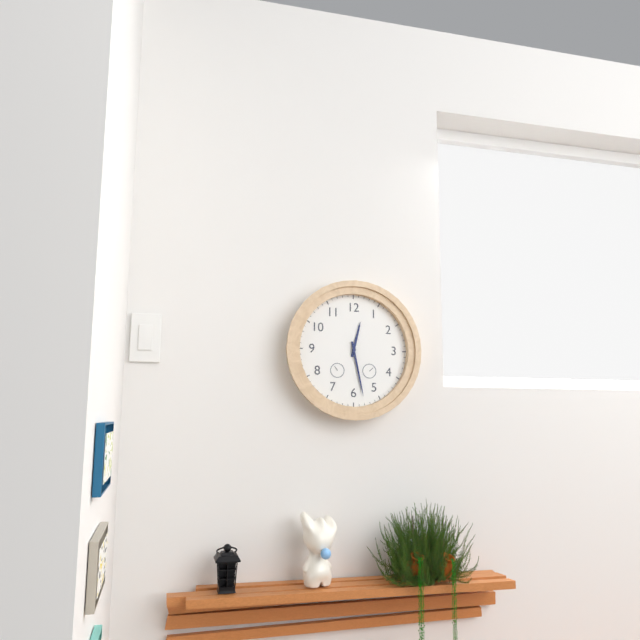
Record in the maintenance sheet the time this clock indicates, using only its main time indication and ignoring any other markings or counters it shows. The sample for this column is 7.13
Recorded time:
12.28
